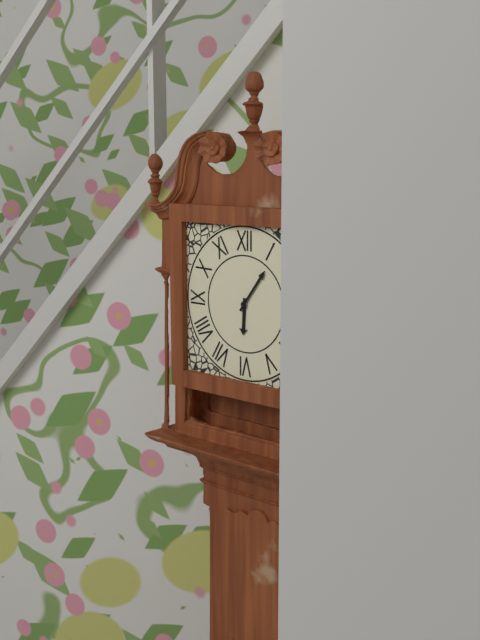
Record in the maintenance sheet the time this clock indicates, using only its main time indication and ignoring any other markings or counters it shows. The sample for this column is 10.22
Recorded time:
6.06
